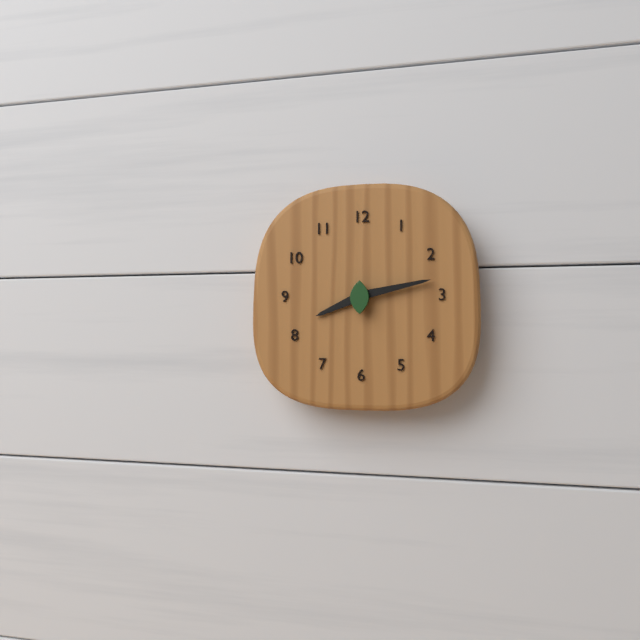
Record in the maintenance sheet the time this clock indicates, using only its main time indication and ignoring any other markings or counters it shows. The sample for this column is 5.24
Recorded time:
8.13
